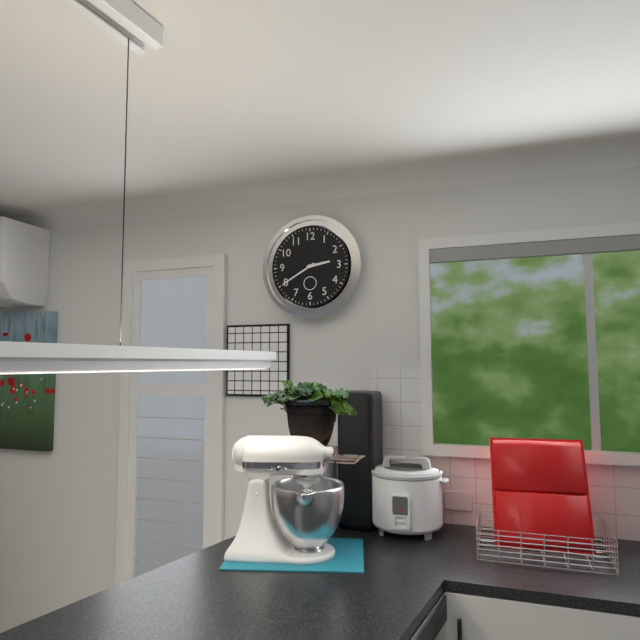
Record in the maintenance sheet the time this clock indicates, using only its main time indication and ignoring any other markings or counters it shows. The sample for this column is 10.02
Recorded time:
2.40
